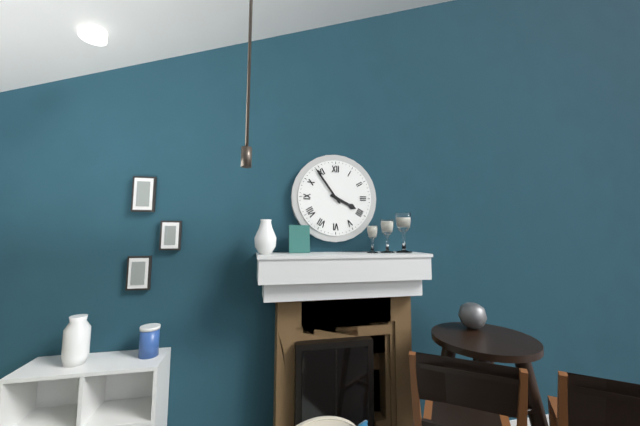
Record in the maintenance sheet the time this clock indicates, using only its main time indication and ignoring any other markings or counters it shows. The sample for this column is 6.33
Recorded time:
3.54
